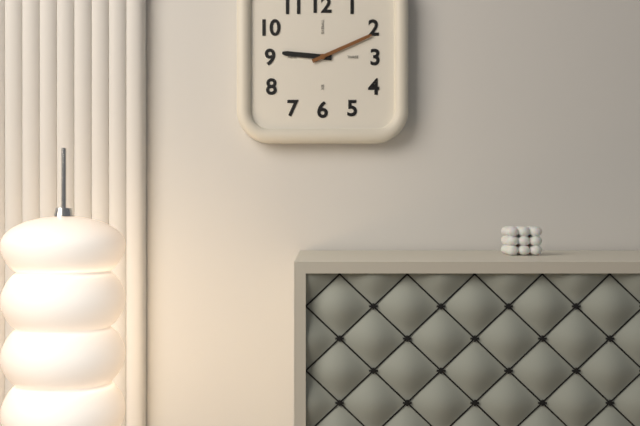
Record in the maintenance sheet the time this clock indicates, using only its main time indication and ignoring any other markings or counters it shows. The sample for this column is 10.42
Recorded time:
9.11
